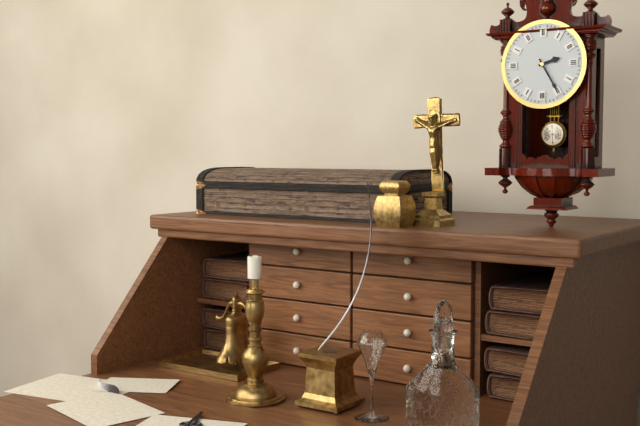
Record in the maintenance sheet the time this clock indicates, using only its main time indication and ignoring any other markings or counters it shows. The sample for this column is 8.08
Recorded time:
2.25
